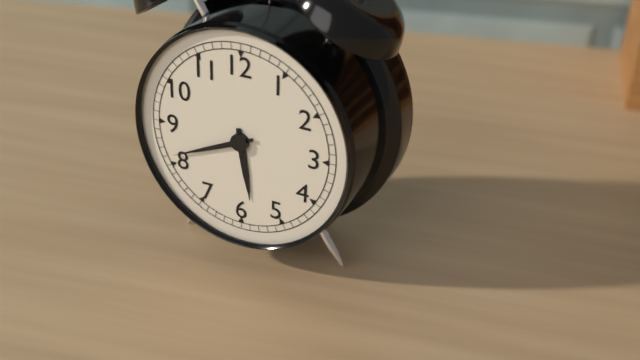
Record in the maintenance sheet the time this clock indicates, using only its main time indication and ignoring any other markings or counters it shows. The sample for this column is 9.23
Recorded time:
5.41
